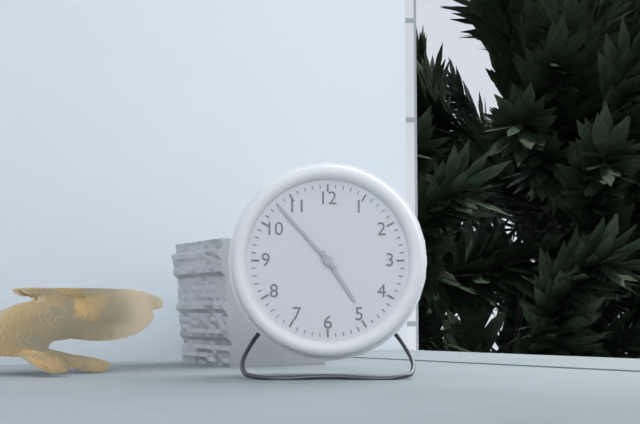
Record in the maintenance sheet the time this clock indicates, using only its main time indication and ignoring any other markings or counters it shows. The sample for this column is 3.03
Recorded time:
4.53
